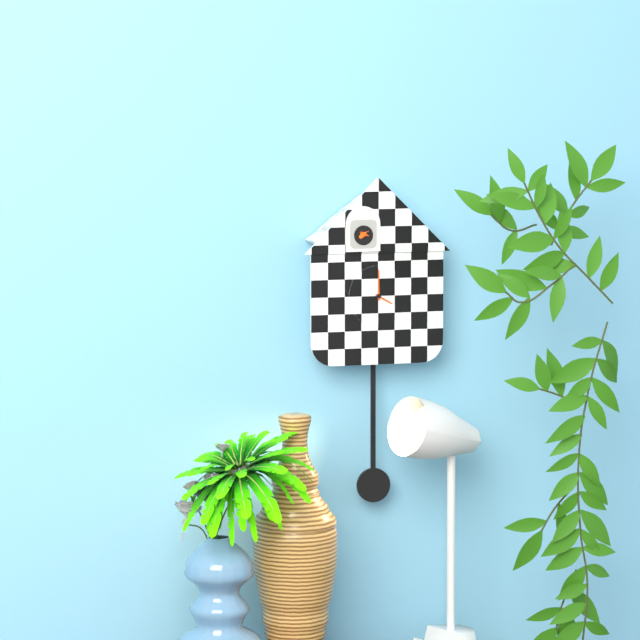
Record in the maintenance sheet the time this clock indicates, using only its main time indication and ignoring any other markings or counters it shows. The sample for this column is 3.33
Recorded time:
4.00
